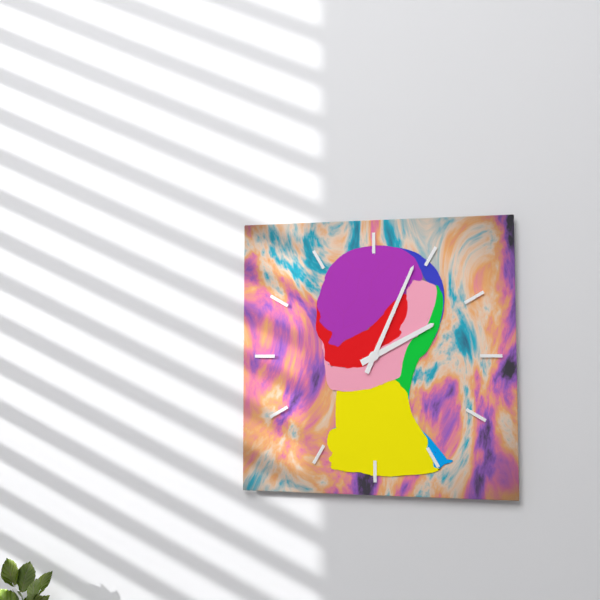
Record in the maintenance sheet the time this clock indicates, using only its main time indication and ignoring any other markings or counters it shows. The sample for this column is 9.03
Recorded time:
2.04
